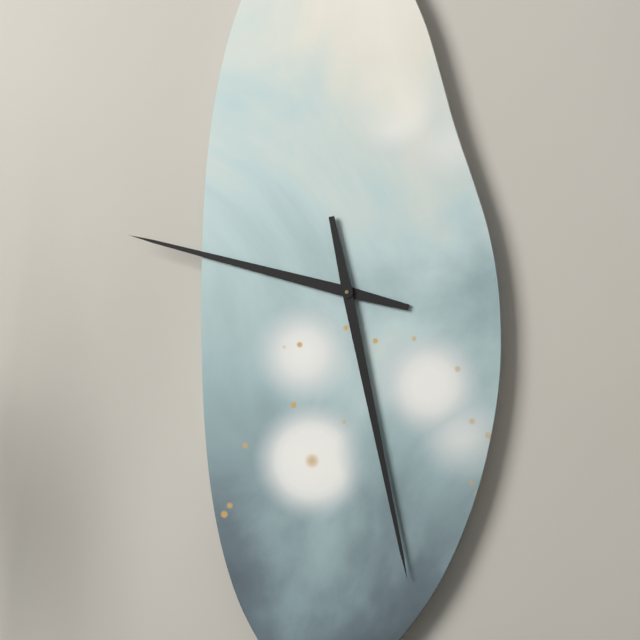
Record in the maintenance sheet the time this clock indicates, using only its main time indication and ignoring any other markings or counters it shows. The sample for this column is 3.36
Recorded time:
9.28
